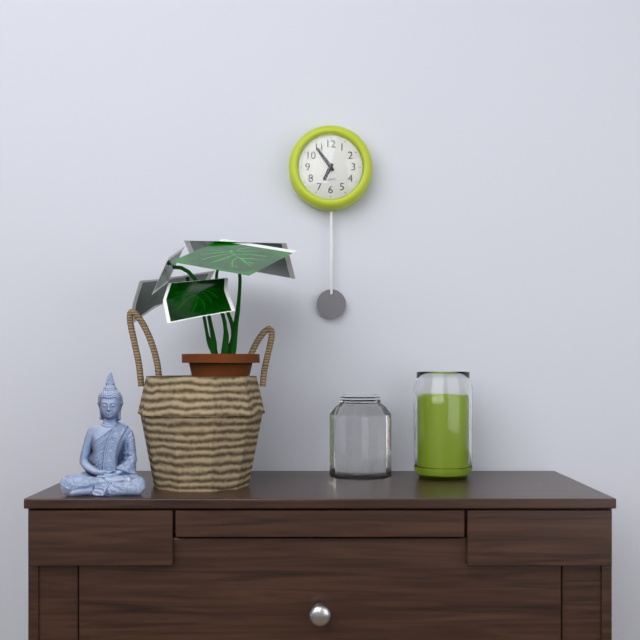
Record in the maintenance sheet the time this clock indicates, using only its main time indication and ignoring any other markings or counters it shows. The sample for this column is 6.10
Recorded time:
6.54
